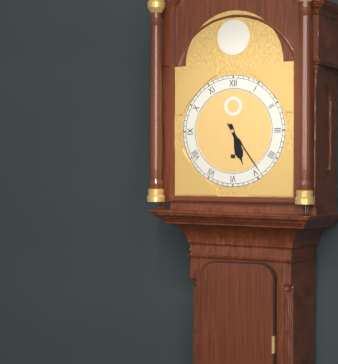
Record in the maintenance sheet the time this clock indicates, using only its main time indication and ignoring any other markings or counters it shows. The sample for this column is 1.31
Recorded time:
5.24
